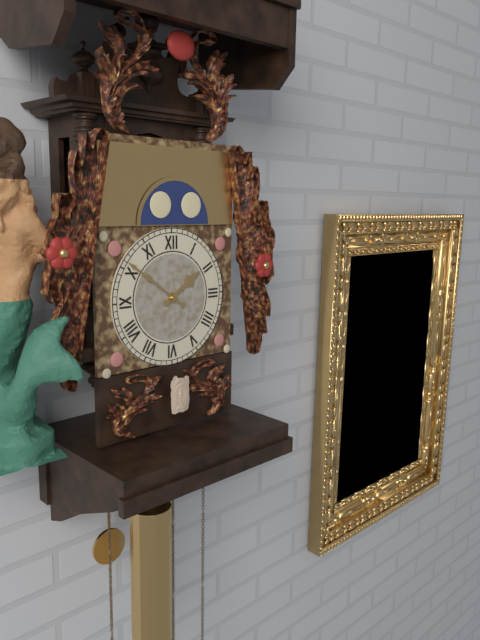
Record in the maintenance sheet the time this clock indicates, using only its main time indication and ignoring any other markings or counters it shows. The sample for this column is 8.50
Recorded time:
1.51
